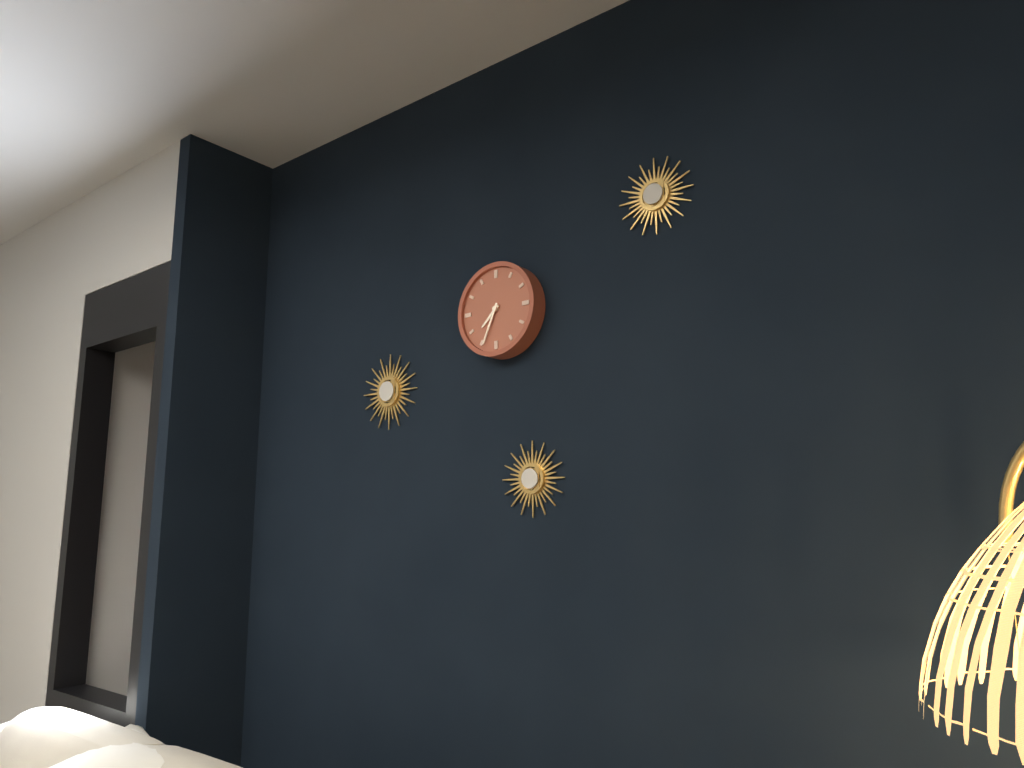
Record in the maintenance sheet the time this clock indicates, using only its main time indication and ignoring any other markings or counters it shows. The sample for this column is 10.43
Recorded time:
7.34
